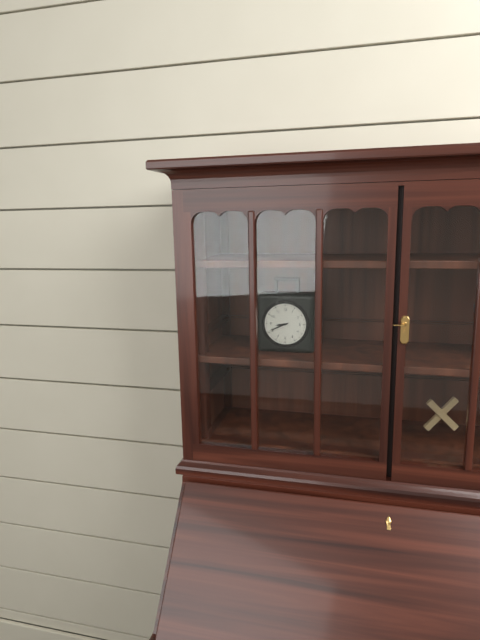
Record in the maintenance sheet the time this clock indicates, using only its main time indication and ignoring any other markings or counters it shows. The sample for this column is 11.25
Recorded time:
8.41
